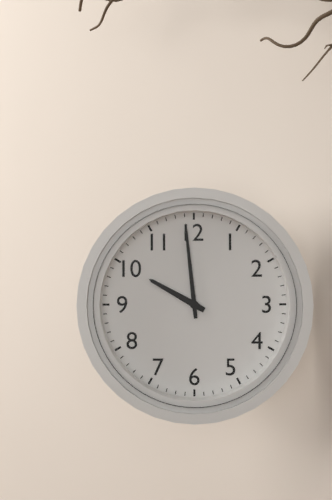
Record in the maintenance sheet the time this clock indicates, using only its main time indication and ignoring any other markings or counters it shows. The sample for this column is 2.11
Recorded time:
9.59
